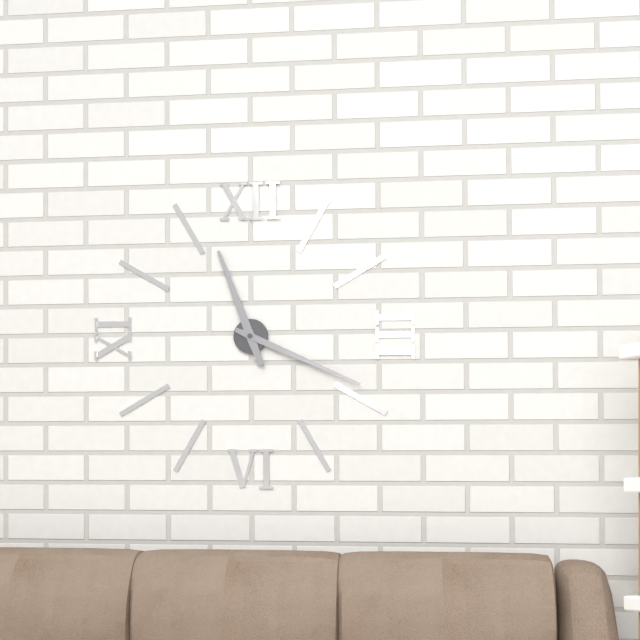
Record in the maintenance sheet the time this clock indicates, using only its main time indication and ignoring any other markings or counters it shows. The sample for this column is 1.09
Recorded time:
11.19
